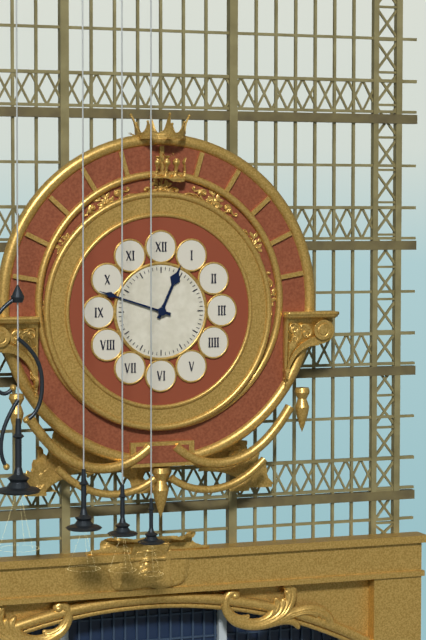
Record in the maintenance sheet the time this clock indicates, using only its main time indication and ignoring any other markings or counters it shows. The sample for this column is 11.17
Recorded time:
12.48
